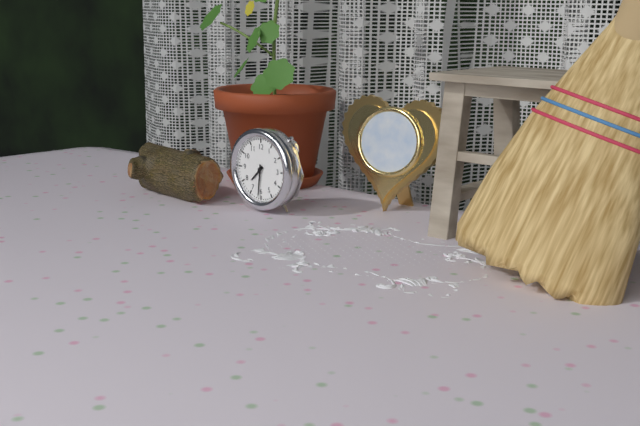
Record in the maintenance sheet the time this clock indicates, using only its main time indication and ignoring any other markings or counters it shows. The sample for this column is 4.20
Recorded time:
7.31
